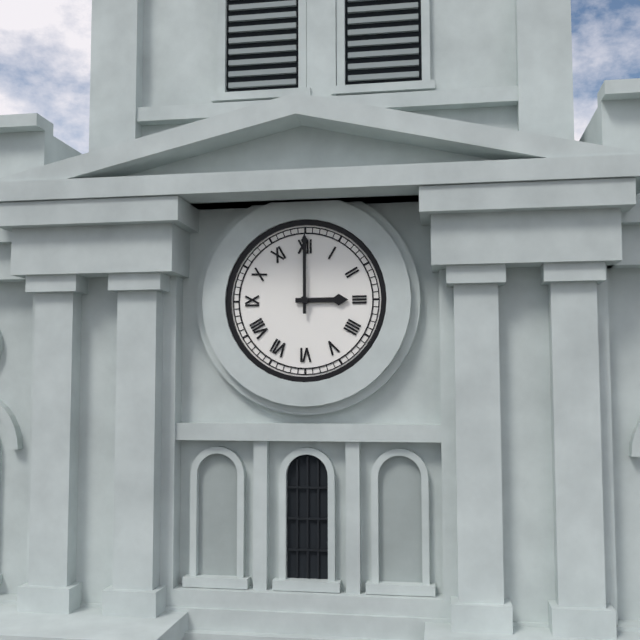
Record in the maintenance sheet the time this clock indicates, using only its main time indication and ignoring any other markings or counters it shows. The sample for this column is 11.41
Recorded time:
3.00
